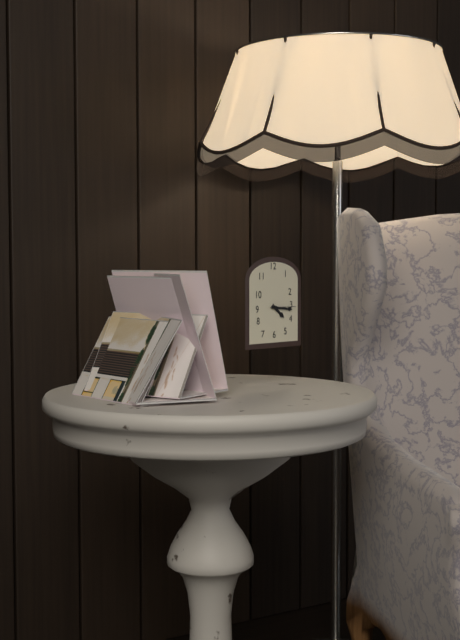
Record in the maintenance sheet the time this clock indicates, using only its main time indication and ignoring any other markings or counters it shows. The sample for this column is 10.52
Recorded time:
4.16
